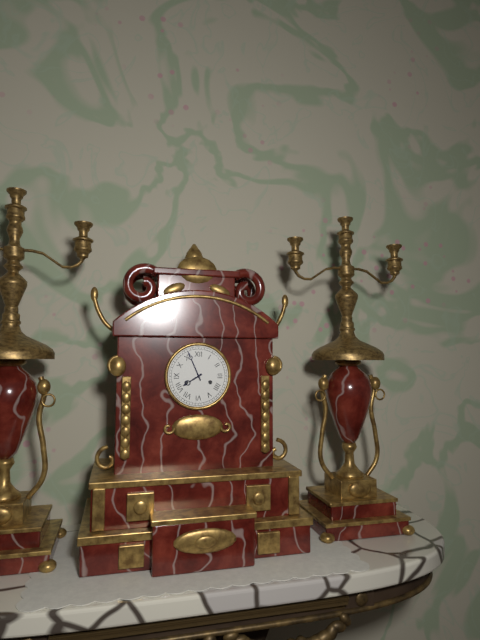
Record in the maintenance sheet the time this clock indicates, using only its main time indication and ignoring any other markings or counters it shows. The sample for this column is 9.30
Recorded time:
7.56
